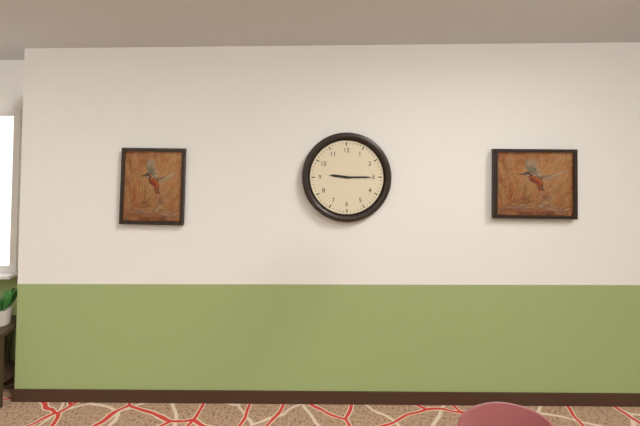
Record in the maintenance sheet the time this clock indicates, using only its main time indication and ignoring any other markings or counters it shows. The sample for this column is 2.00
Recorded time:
9.15
